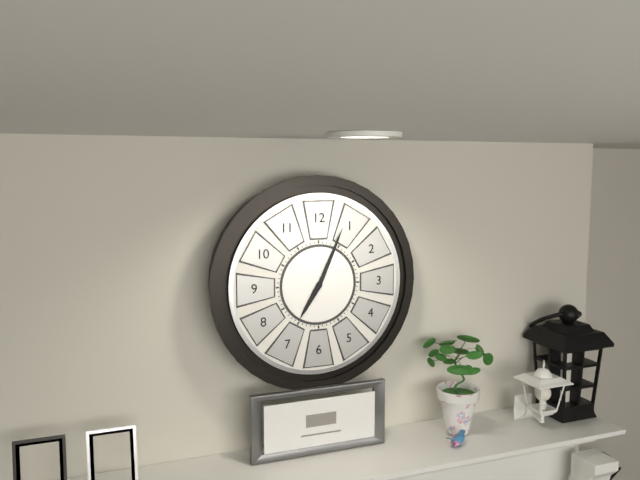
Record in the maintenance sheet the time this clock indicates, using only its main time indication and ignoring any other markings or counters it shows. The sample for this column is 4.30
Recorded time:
7.04
